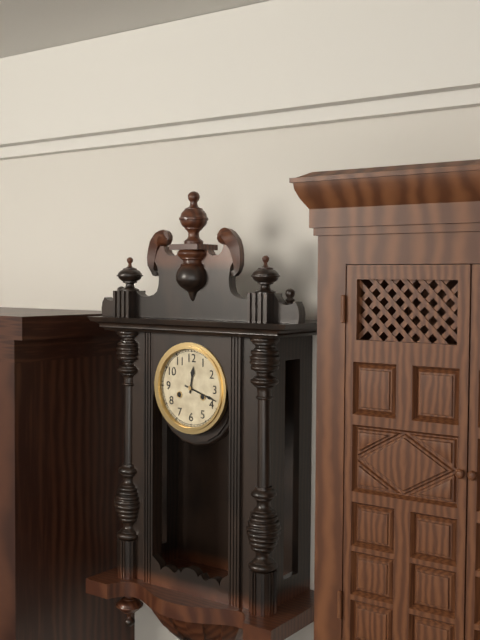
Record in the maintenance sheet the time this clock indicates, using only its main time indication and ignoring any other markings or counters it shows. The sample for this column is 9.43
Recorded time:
12.18
